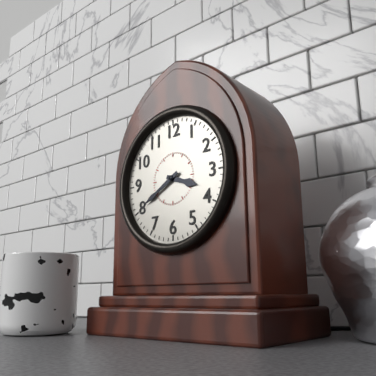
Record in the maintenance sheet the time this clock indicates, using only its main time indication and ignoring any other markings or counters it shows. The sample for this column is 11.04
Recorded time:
3.40
